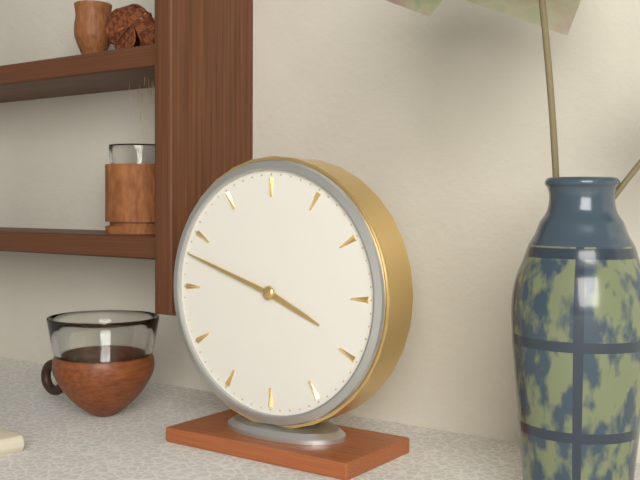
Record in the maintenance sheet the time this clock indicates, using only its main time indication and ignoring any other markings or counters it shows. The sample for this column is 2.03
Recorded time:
3.48
